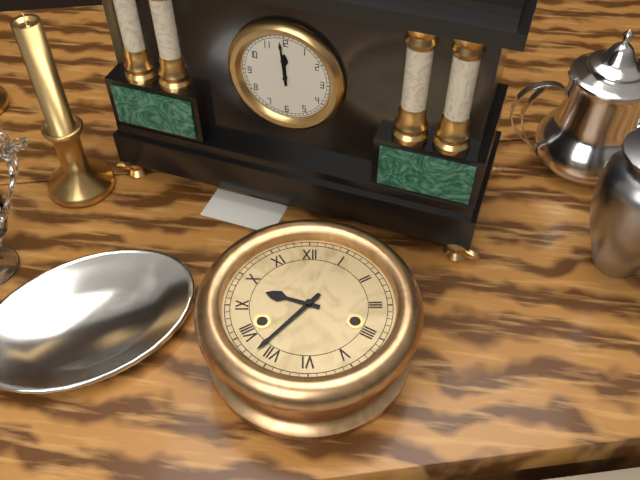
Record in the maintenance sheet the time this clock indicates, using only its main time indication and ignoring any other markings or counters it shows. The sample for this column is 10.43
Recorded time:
9.37
